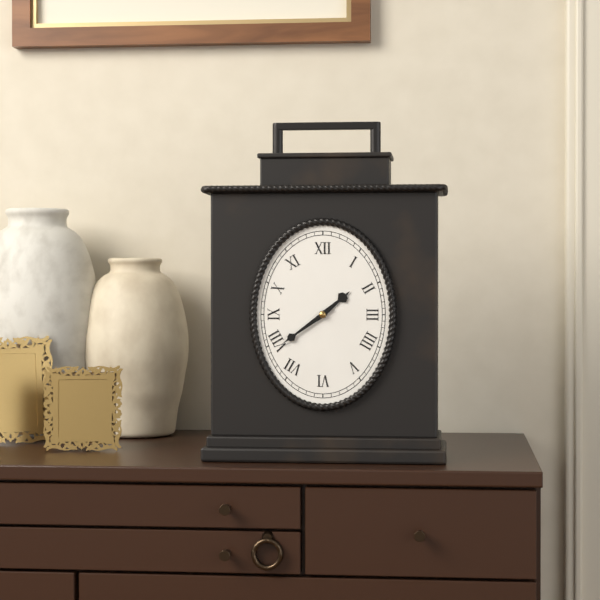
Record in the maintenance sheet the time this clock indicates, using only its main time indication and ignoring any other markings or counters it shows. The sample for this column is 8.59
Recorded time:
1.39
